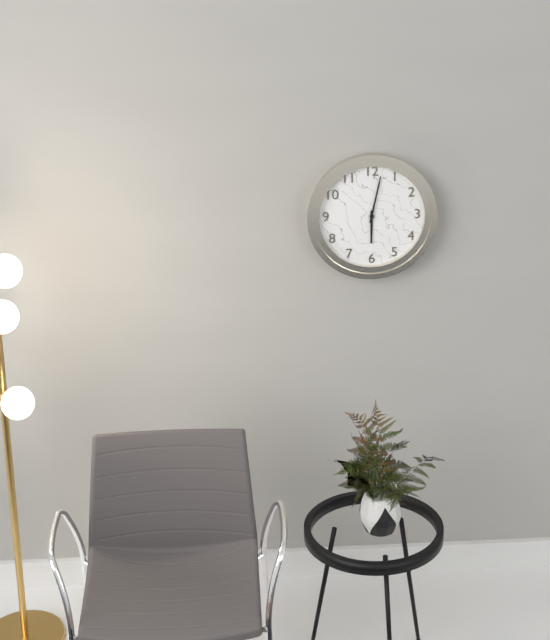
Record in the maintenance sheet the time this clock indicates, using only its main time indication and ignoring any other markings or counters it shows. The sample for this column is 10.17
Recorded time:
6.02
